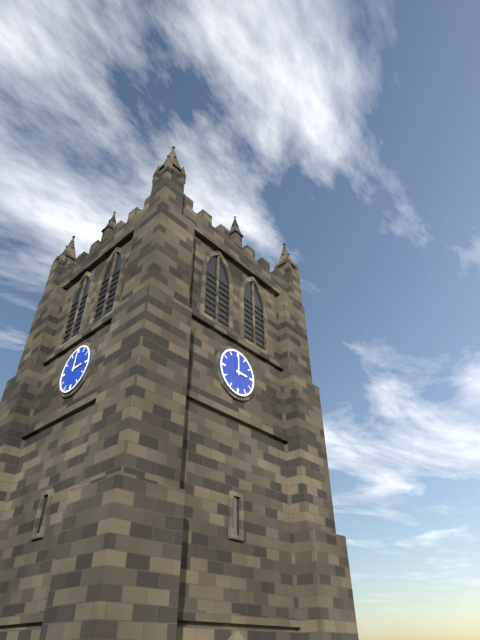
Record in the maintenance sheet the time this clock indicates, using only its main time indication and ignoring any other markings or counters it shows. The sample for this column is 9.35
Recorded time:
3.00
